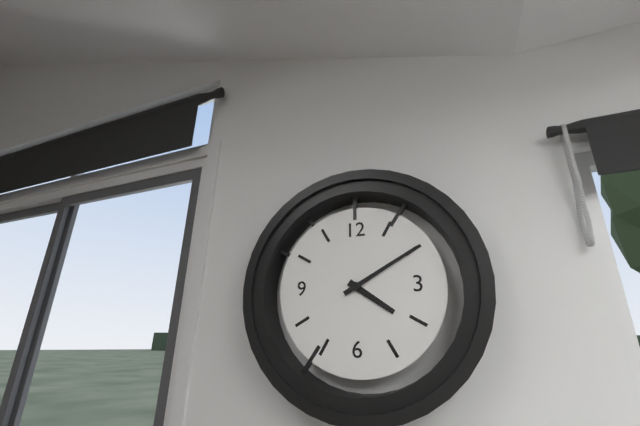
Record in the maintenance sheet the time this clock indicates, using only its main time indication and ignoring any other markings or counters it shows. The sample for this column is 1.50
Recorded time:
4.10
